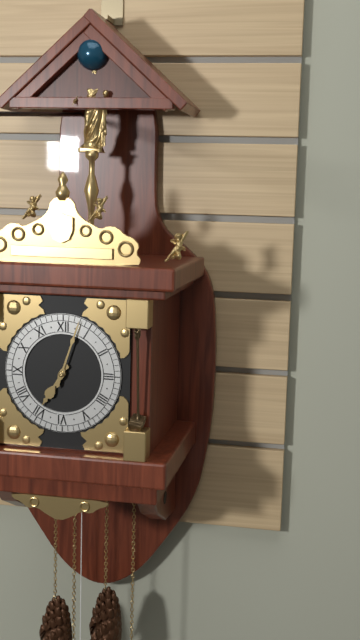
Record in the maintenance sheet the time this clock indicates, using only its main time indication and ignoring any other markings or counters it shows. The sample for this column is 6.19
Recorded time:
7.03
